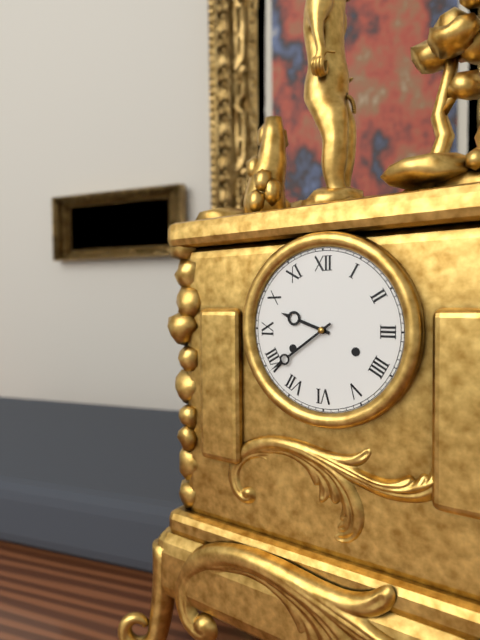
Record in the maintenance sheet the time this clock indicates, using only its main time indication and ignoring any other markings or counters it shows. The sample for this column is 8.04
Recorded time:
9.39
